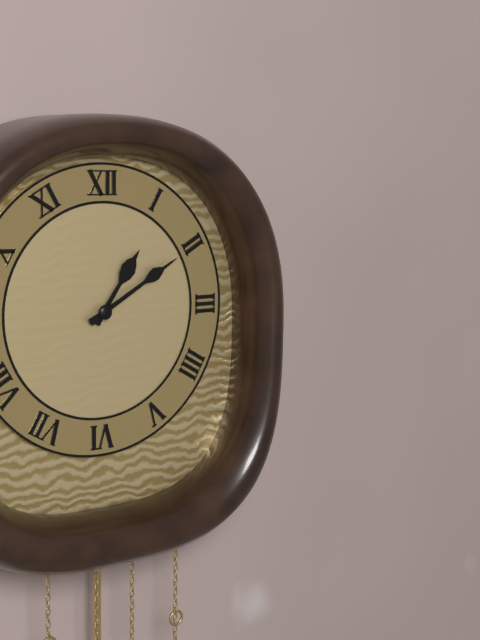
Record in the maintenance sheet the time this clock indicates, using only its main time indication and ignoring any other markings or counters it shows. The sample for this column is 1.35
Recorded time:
1.10
